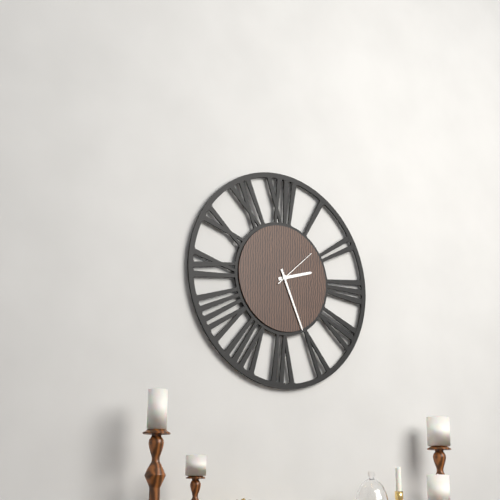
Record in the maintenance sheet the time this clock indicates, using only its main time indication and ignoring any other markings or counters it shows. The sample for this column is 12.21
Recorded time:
2.26
